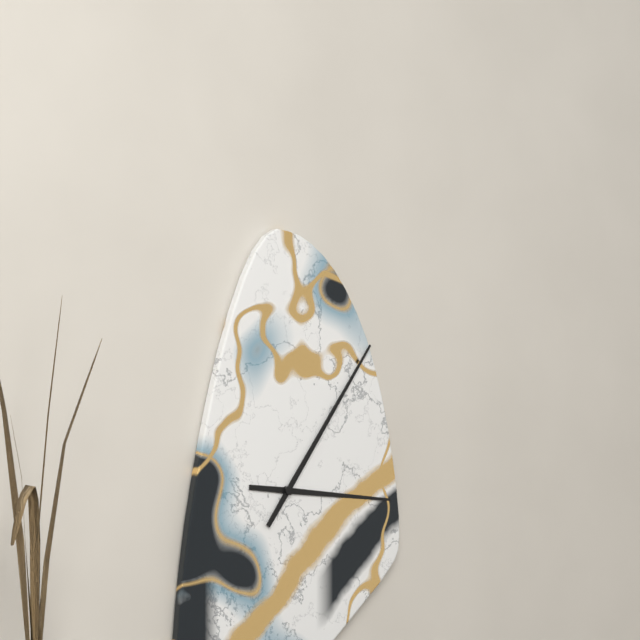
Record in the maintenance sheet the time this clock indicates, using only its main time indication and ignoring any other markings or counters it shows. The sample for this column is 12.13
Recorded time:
3.06
